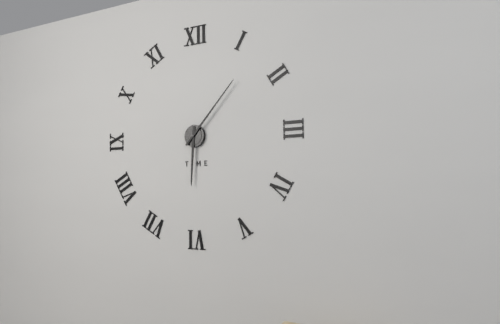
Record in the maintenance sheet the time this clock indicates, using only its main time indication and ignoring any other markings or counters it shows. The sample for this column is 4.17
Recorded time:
6.07
